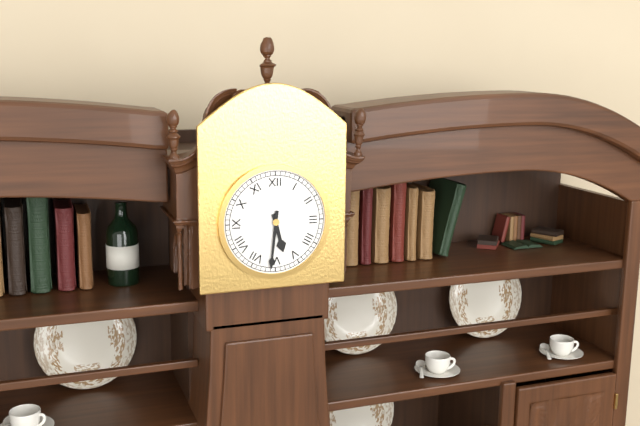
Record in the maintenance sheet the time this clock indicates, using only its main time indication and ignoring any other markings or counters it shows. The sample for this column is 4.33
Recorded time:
5.31
